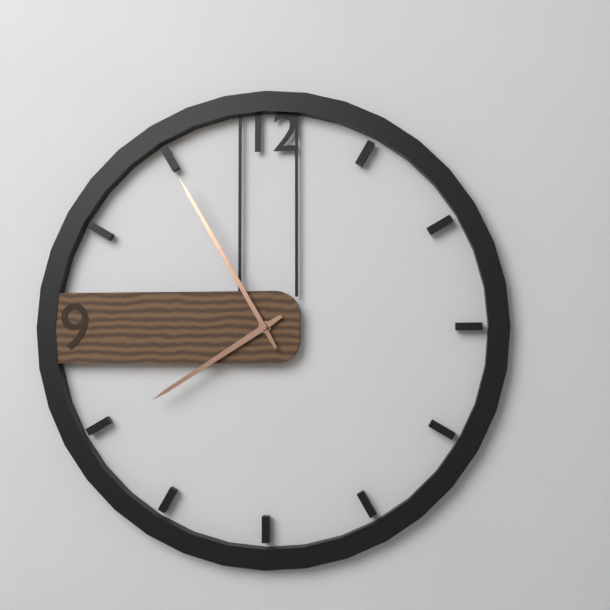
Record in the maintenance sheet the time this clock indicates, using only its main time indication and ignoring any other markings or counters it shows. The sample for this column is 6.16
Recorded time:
7.55
